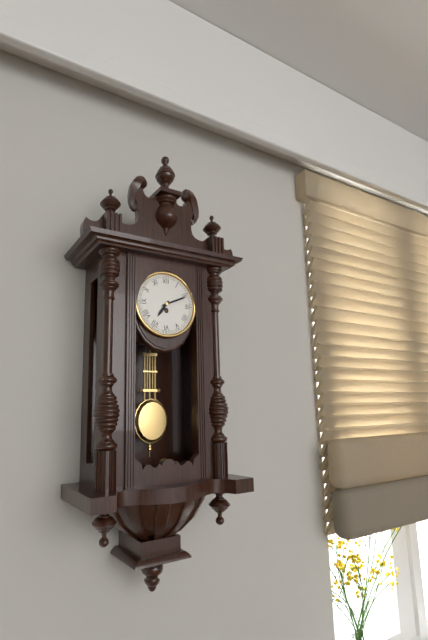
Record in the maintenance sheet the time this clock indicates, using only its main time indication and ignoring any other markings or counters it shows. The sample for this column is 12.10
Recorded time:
7.11
